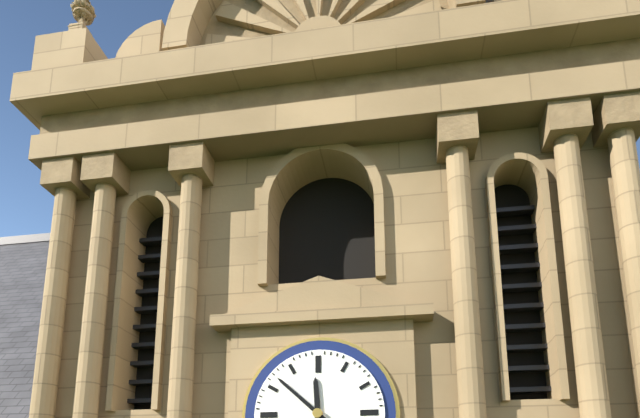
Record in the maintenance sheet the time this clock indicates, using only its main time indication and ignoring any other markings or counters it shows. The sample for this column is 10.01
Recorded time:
11.52
